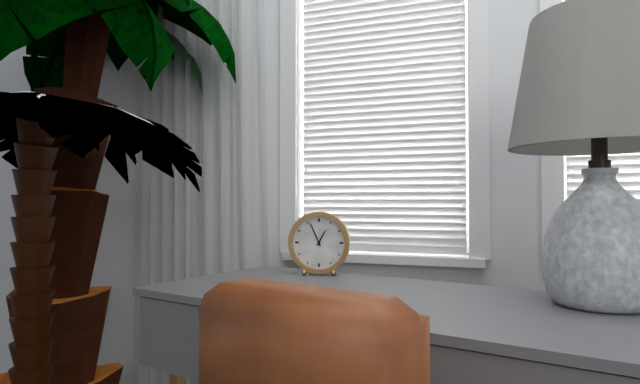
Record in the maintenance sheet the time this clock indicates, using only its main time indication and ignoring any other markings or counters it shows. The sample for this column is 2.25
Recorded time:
12.56
